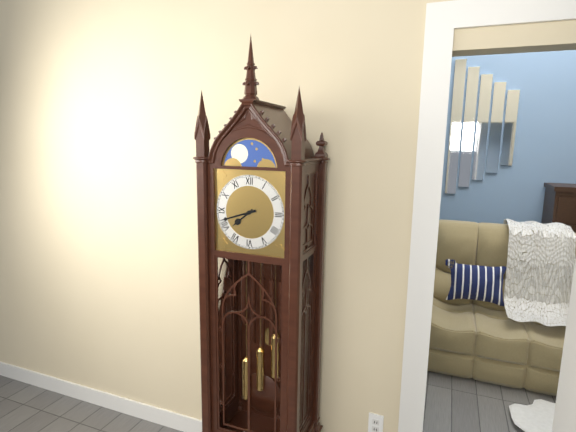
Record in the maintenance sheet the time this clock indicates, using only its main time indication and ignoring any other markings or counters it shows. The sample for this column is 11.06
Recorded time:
7.42
